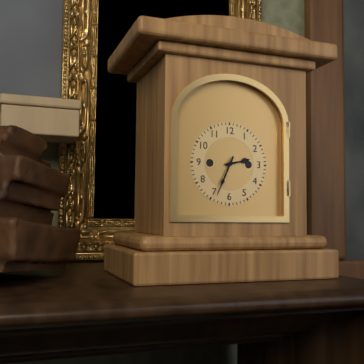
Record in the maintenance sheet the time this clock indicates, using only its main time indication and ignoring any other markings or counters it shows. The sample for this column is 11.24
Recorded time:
2.34
